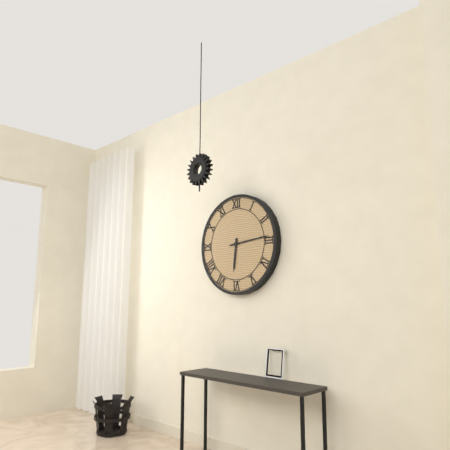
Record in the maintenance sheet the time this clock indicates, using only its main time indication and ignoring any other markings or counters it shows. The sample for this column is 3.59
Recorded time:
6.14
